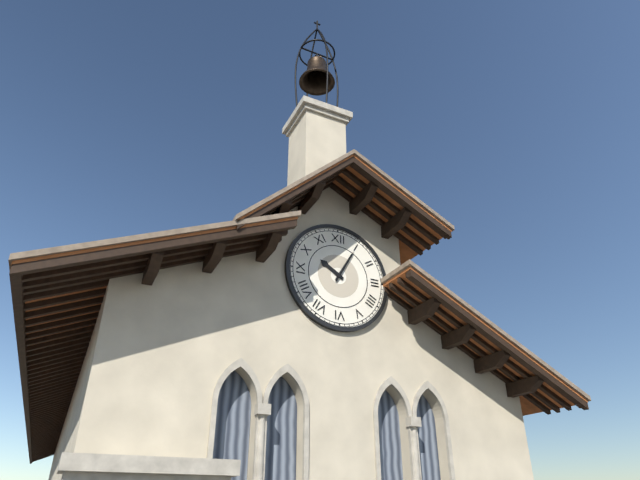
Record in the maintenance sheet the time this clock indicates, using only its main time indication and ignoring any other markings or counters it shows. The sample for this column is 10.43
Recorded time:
10.05
